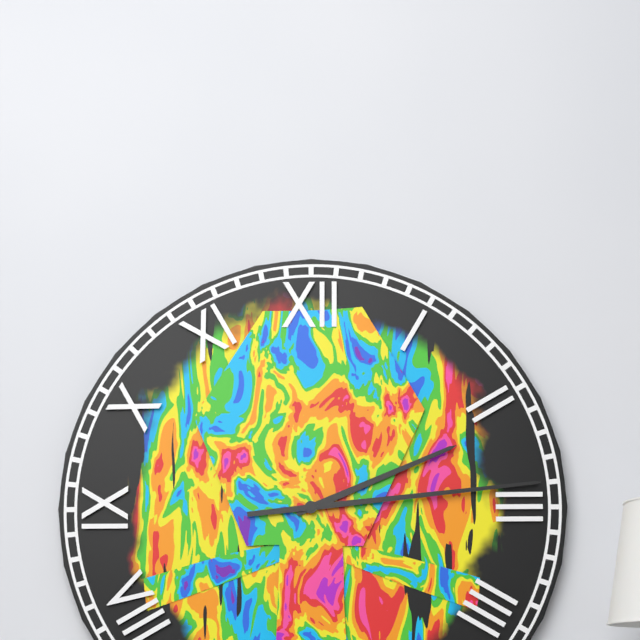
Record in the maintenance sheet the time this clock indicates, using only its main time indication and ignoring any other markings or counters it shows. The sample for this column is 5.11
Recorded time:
2.14
